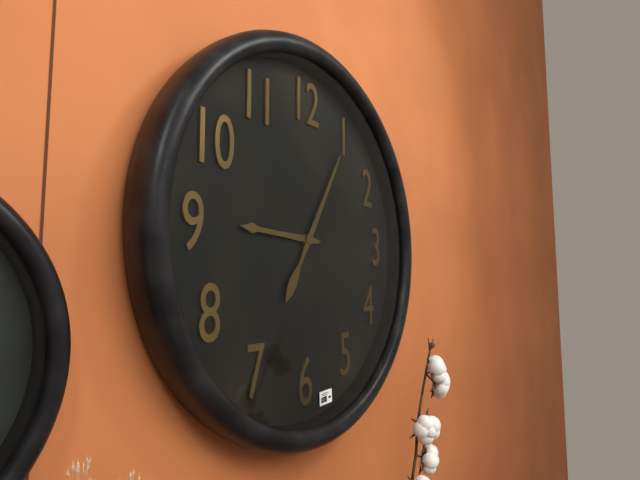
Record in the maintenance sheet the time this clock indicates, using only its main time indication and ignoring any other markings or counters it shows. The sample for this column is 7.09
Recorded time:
9.05
